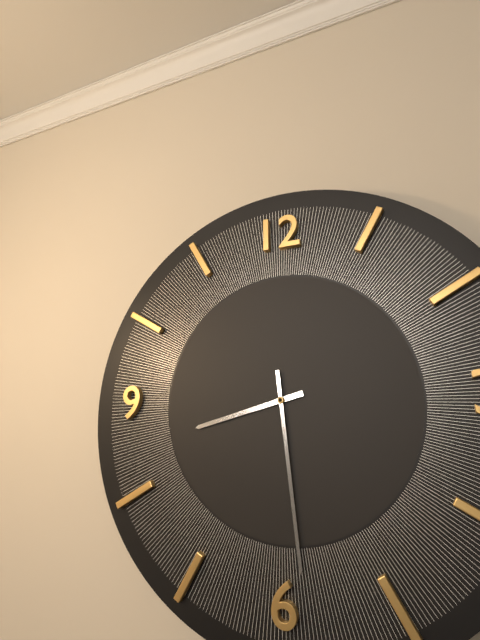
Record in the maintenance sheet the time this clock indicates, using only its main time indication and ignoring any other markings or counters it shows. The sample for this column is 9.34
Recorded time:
8.29
